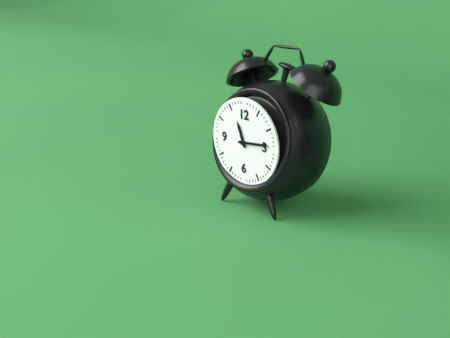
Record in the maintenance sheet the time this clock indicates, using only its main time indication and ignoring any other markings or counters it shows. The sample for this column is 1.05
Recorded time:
11.14
